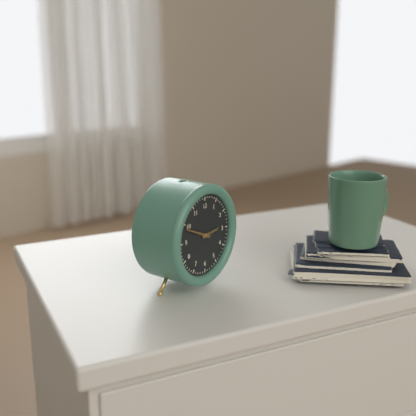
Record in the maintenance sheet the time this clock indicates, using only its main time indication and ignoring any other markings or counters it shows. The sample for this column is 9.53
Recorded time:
2.49
